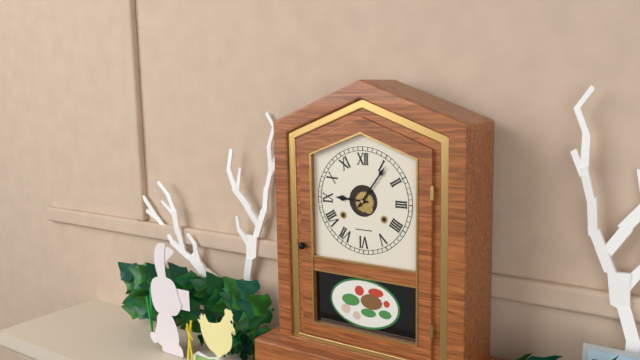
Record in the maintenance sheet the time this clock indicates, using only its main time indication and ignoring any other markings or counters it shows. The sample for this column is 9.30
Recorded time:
9.06
